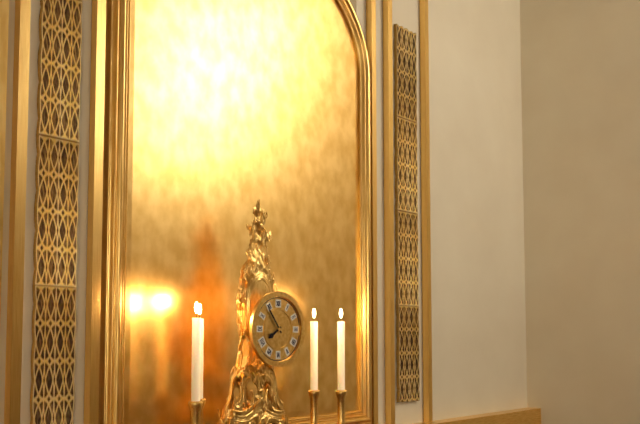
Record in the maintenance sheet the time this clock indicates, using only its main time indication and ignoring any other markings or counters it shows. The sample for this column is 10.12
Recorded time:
7.54
